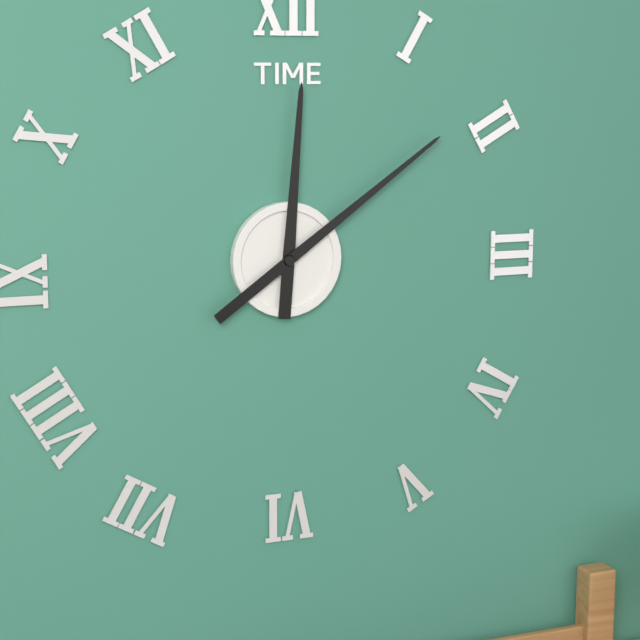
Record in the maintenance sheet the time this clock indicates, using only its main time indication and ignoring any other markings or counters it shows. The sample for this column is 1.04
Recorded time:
12.09
